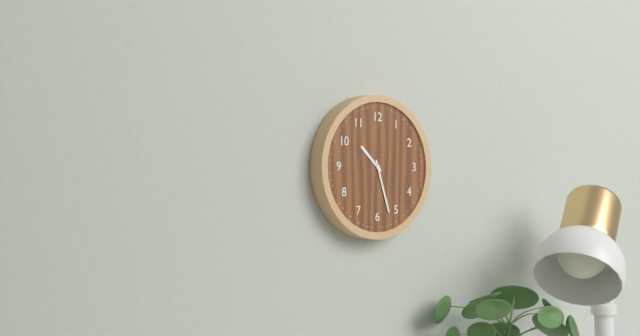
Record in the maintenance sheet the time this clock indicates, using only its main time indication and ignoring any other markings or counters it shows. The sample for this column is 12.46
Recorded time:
10.27
